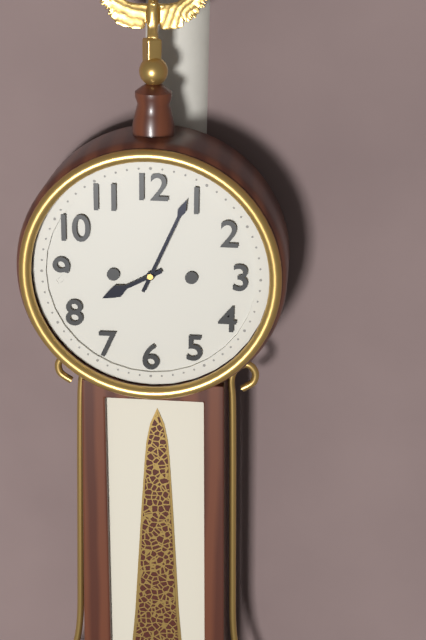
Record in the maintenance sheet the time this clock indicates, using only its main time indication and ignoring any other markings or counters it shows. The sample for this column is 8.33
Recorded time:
8.04
